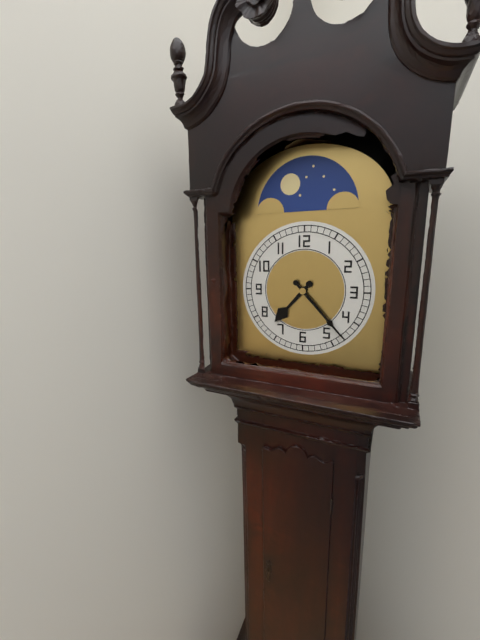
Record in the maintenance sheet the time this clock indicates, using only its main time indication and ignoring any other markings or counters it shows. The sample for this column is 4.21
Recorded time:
7.23
